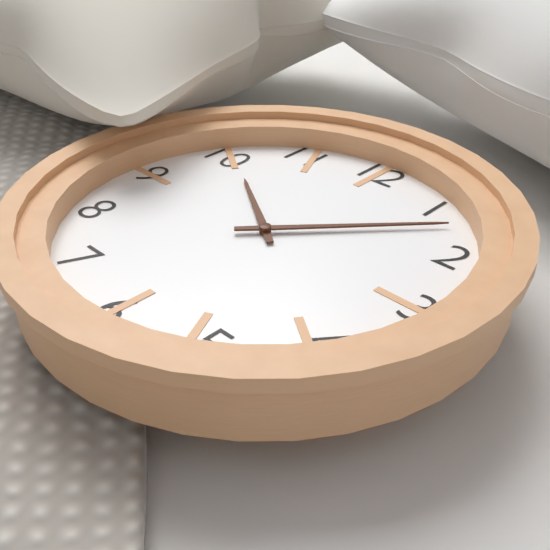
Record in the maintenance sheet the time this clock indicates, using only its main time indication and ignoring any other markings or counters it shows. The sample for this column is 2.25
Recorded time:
10.07
